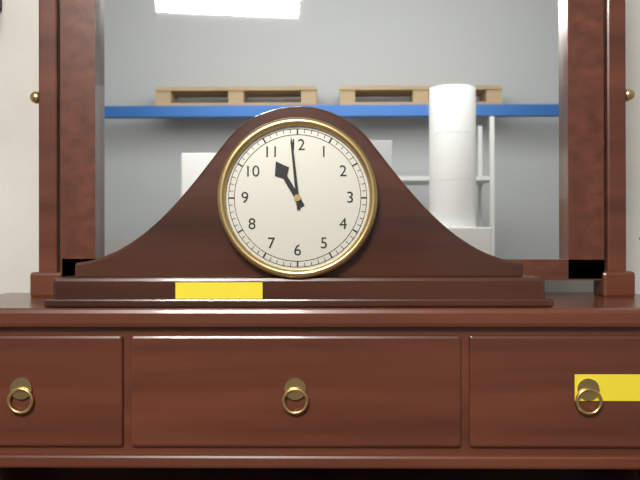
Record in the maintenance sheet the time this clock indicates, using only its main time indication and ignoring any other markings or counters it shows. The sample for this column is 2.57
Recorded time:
10.59
